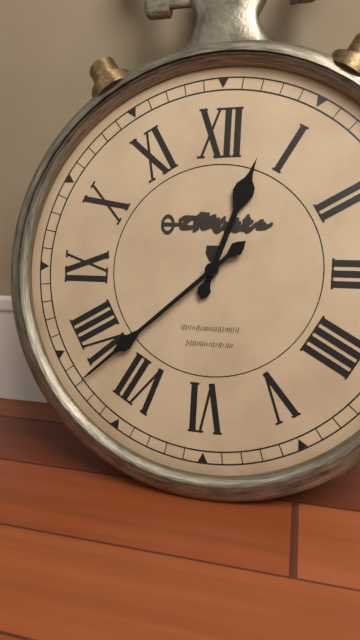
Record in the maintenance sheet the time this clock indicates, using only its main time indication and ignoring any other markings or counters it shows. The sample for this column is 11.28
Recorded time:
12.38
